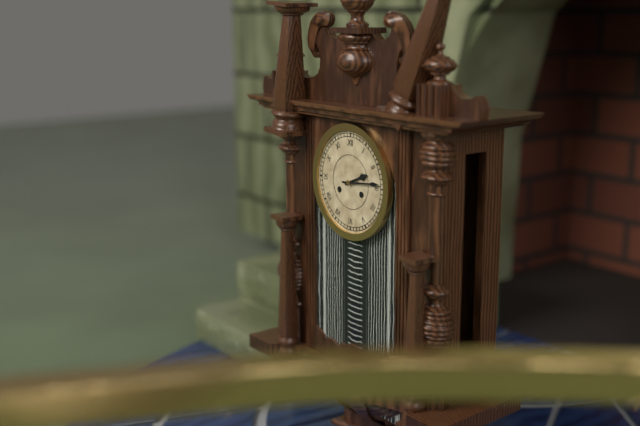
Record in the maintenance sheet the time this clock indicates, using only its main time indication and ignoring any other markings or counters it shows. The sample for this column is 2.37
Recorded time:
2.14
